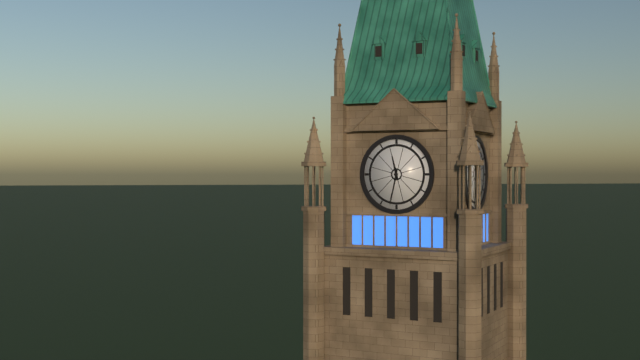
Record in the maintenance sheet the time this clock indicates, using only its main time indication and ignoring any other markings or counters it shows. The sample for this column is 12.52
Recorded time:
11.32
